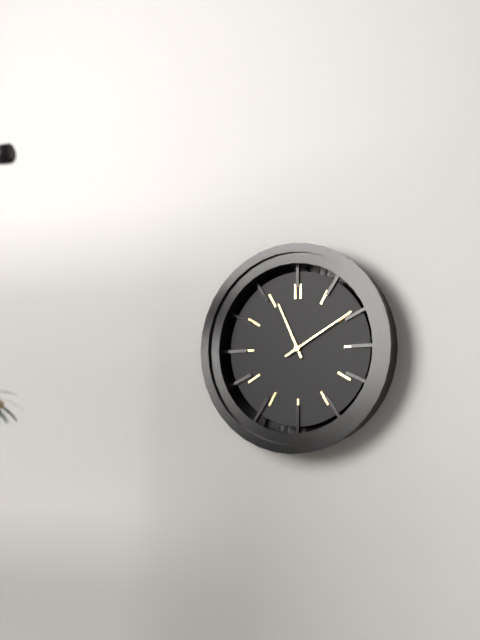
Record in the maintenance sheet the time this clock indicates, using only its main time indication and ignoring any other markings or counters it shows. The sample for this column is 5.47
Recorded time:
11.10
